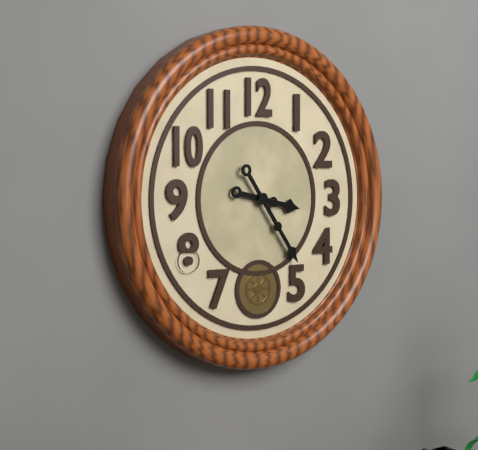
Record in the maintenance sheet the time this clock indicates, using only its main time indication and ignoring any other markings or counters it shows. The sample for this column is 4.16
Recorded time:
3.24
